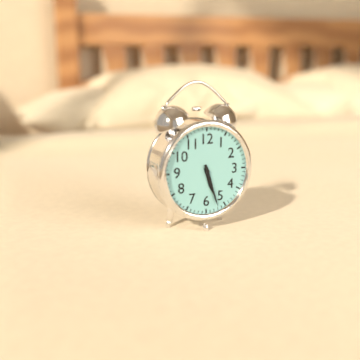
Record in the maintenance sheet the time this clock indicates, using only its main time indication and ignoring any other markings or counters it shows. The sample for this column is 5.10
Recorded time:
5.27
